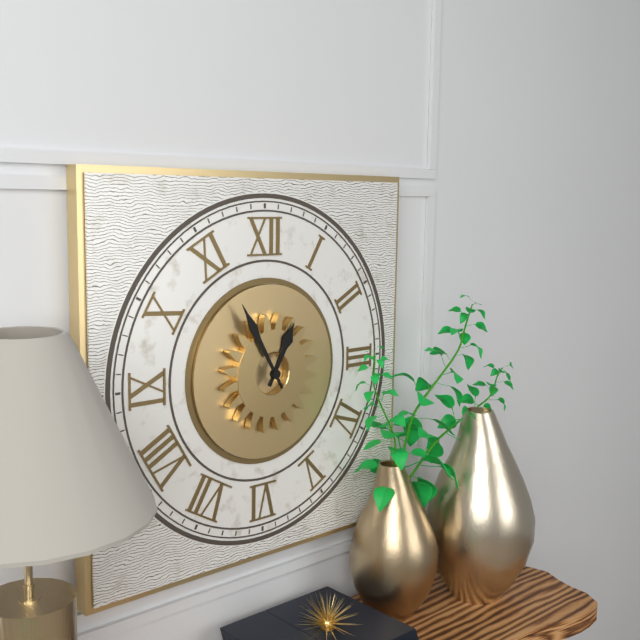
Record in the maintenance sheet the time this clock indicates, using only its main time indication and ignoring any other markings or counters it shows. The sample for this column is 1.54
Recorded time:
12.55
